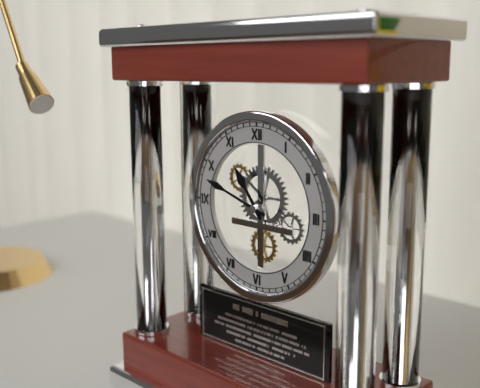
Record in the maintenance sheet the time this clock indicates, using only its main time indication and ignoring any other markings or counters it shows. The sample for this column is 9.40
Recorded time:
10.48
